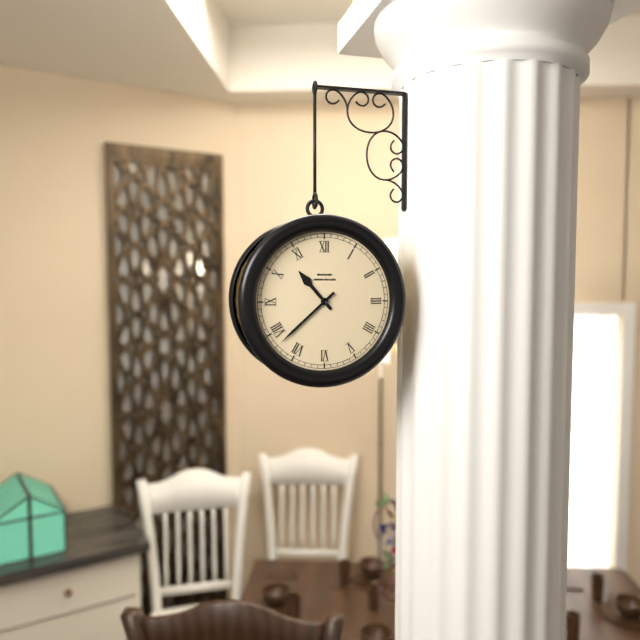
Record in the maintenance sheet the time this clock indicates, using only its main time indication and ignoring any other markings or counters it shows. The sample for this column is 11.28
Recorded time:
10.38
